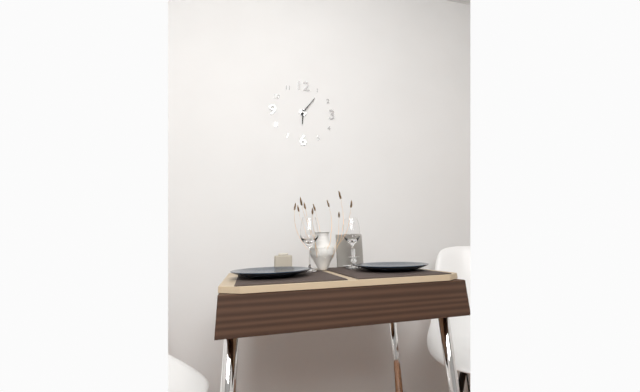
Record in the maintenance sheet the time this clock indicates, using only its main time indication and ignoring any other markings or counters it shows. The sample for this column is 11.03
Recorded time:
6.06
